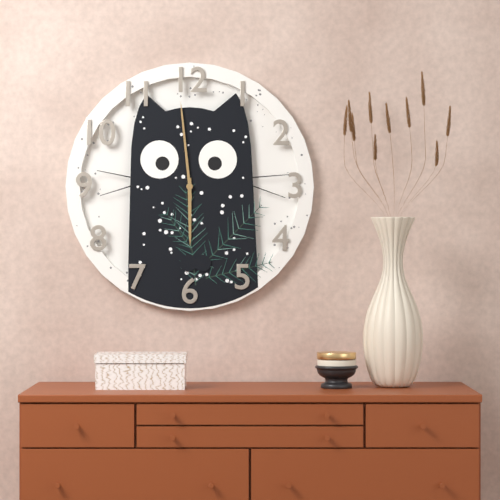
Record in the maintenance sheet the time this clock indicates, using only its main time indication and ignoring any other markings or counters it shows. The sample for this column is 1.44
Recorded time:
5.59
